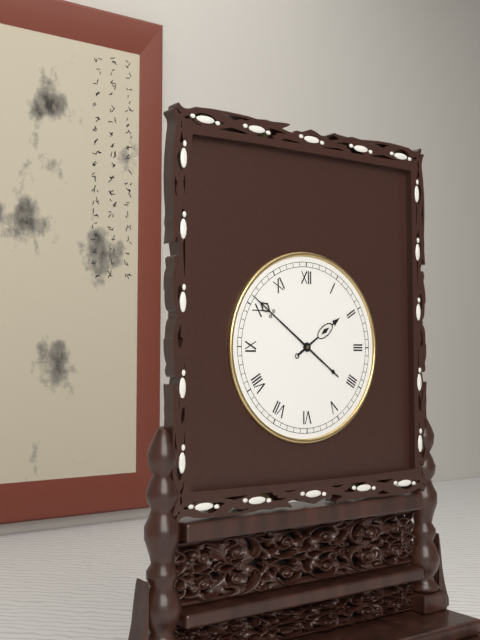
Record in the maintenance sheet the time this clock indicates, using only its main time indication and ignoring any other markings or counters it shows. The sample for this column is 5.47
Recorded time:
1.51
